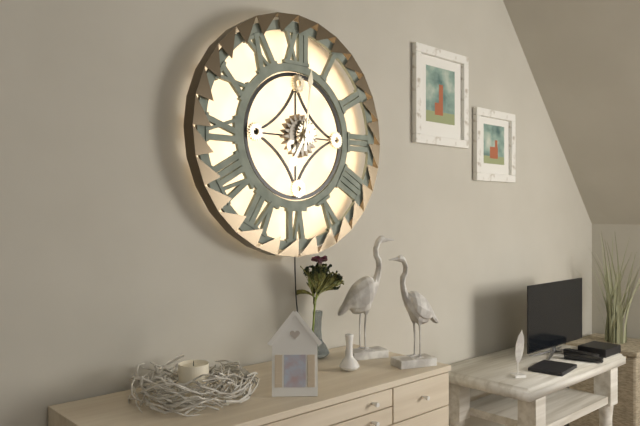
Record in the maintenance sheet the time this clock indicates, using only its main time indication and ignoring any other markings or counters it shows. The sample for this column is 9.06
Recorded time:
7.01
